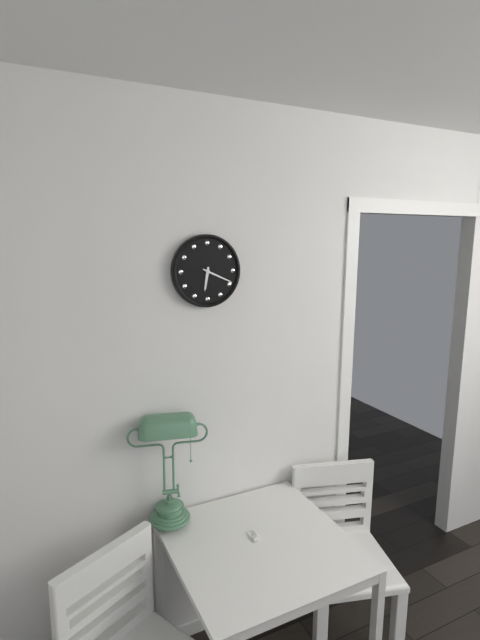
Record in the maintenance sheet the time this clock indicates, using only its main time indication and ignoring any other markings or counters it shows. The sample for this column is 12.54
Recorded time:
6.19
